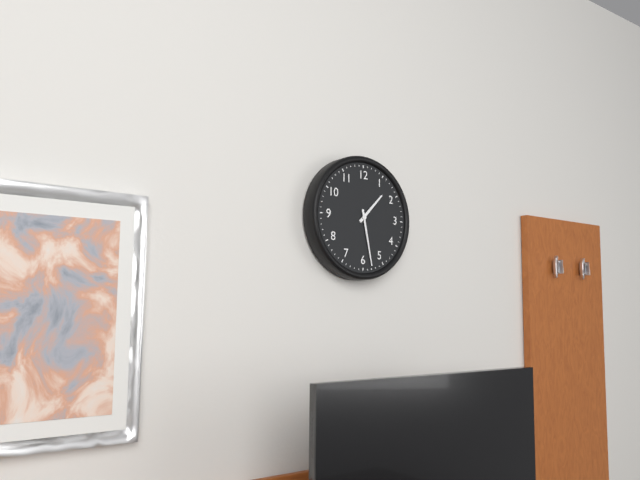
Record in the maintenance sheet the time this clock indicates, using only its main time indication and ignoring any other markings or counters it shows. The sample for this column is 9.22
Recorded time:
1.28
